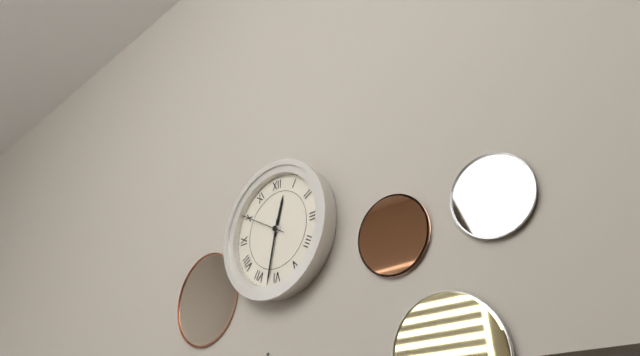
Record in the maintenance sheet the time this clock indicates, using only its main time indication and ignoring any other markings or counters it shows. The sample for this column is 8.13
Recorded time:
12.32
